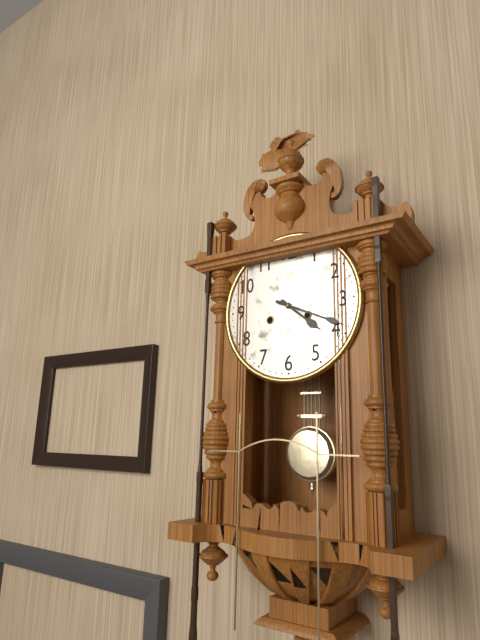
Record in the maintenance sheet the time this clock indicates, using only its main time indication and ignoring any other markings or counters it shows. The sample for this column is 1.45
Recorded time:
4.19
